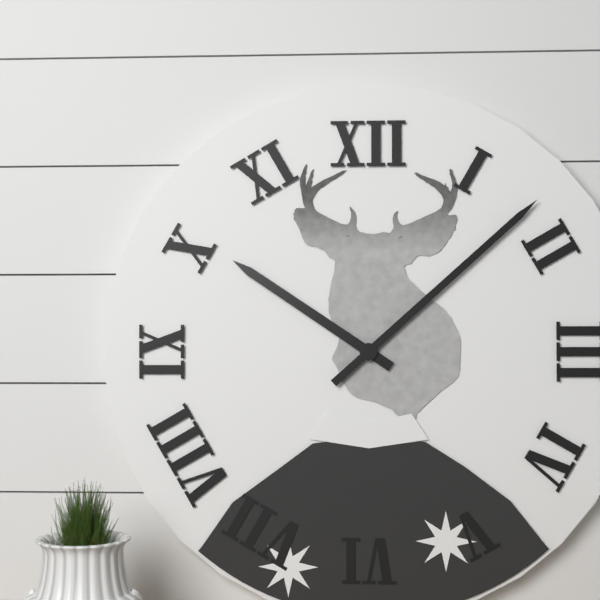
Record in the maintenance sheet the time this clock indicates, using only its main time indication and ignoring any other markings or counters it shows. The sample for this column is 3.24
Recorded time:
10.08
